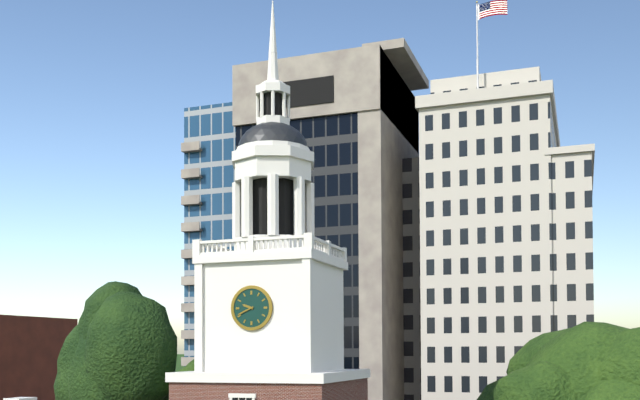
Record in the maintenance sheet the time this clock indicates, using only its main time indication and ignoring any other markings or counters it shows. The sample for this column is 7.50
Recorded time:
9.41
